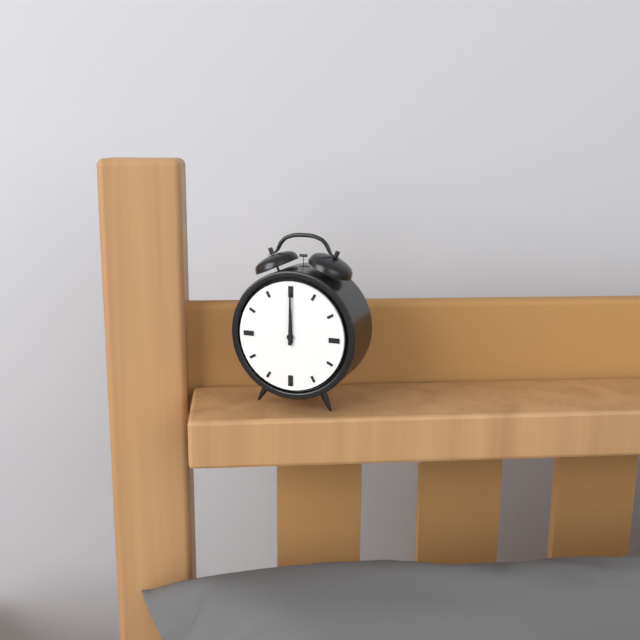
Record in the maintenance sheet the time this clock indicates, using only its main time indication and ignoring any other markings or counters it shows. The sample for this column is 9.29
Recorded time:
12.00
